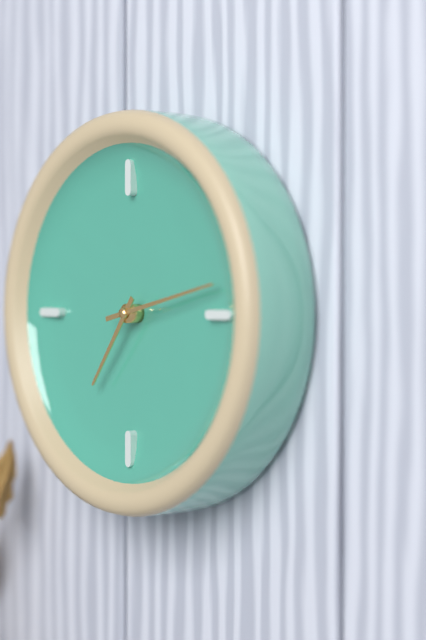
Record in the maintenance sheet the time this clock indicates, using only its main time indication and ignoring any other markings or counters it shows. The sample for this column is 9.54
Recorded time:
7.13
